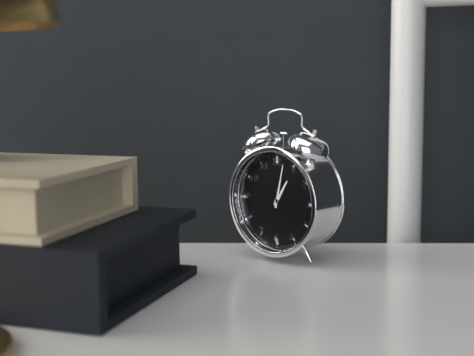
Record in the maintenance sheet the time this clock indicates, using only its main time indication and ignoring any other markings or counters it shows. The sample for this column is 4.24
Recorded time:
1.02
